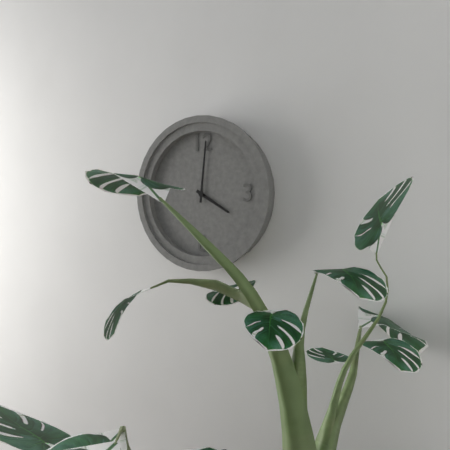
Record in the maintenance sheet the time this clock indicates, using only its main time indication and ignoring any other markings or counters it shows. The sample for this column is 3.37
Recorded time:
4.01
